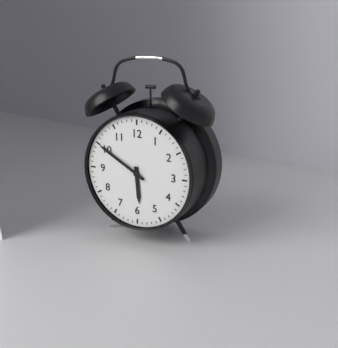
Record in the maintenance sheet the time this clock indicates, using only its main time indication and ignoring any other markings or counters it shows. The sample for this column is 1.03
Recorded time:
5.50
